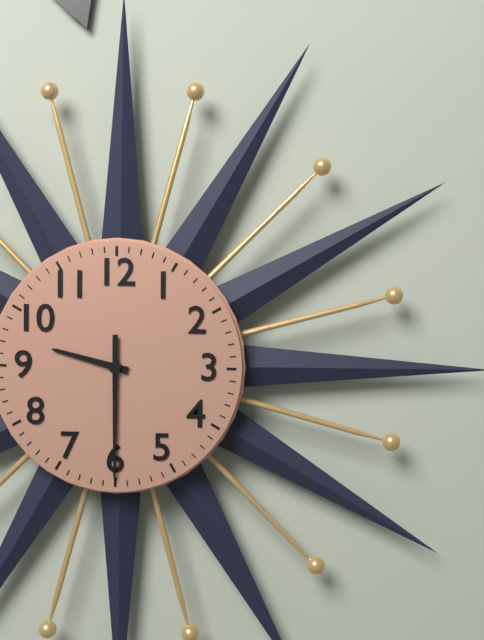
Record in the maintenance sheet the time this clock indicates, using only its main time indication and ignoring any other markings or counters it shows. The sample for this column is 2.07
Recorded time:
9.30
